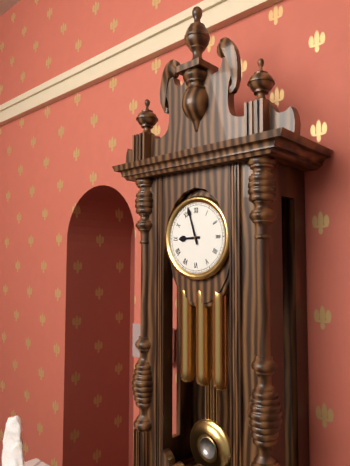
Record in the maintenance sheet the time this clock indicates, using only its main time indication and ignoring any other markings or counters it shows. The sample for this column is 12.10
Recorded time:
8.57
